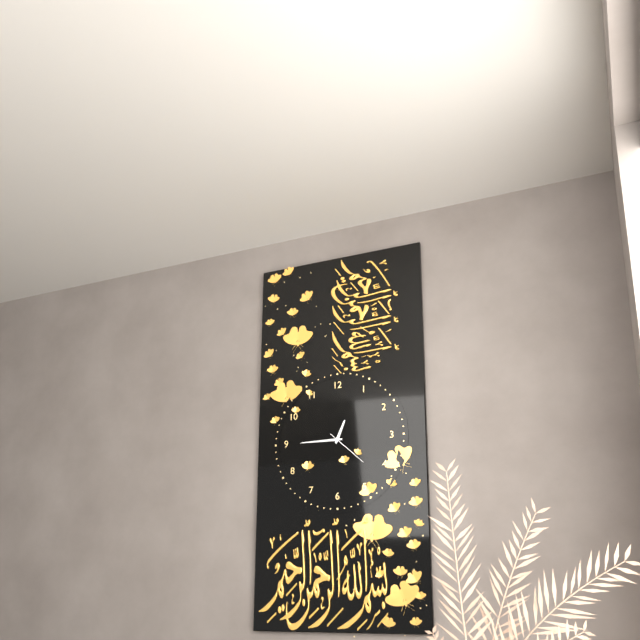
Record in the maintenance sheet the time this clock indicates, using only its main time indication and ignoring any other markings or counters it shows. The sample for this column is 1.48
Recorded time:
12.45
